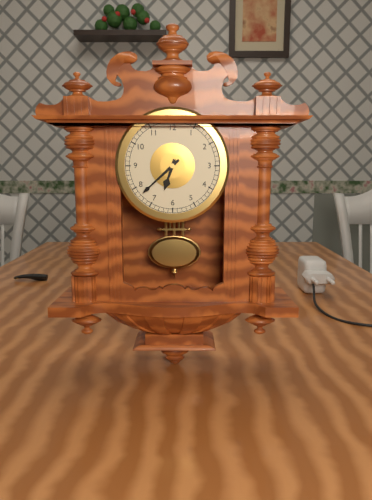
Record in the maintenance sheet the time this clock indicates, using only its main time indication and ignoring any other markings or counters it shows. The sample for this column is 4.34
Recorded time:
6.38
